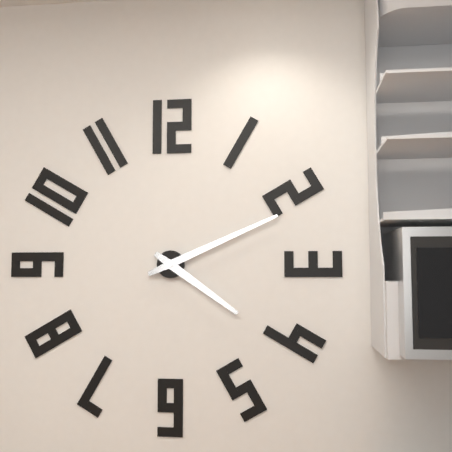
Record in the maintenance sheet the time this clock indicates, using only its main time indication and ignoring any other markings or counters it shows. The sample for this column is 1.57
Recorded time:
4.11
